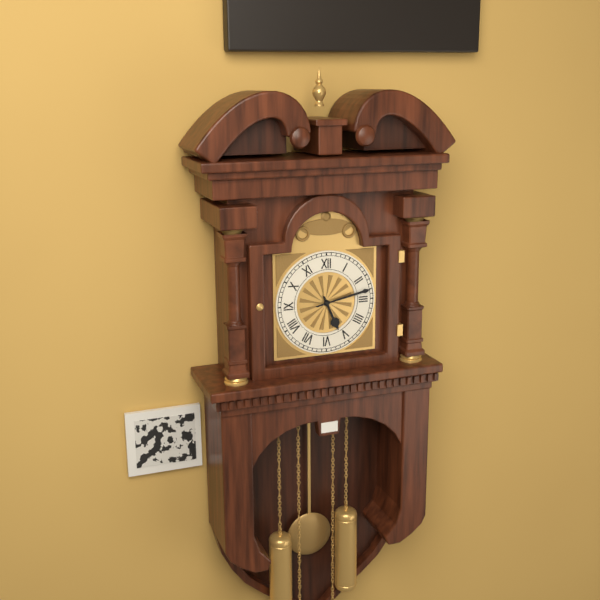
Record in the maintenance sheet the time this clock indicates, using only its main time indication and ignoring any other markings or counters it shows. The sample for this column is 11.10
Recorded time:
5.13
